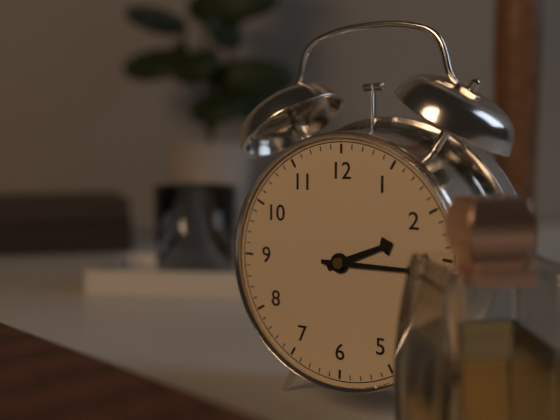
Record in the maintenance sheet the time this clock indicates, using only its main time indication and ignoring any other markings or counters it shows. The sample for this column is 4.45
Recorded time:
2.15
